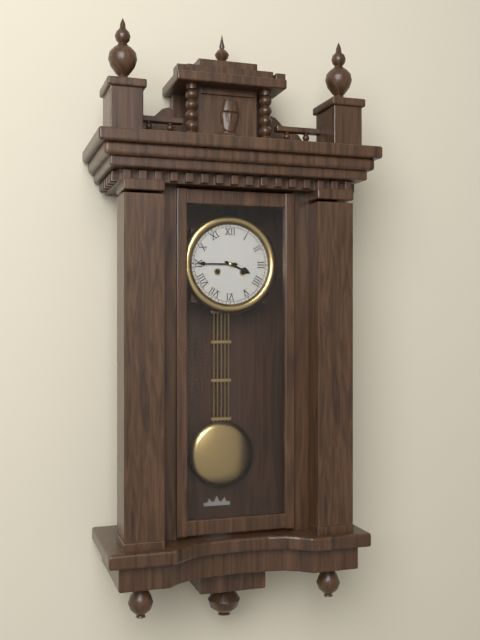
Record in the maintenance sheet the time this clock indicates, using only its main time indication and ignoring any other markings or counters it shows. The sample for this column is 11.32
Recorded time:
3.45
